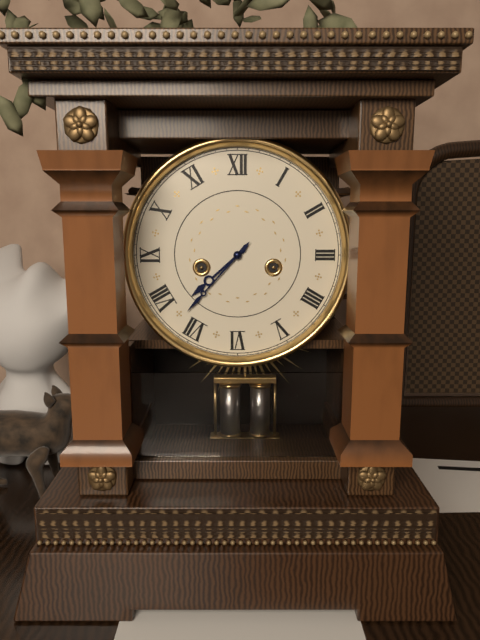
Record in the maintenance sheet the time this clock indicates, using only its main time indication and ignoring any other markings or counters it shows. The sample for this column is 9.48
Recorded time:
7.37
